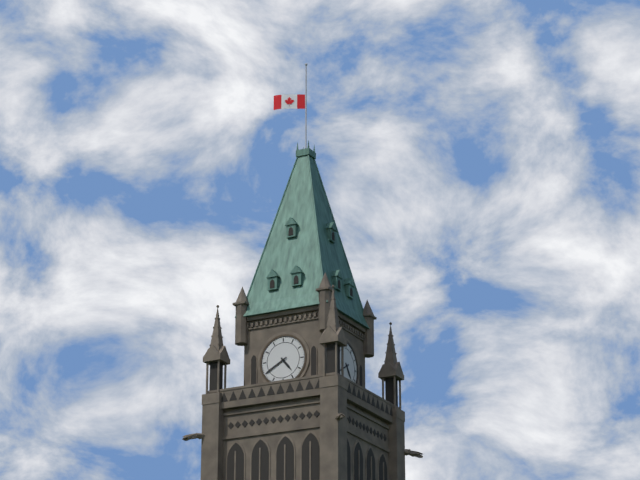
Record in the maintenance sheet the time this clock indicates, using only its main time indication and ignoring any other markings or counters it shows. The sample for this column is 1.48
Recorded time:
4.40
